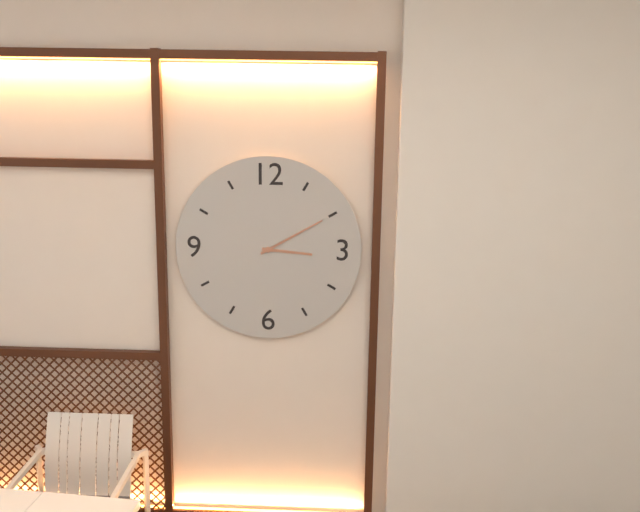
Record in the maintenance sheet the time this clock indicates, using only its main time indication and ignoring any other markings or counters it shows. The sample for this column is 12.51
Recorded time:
3.10
